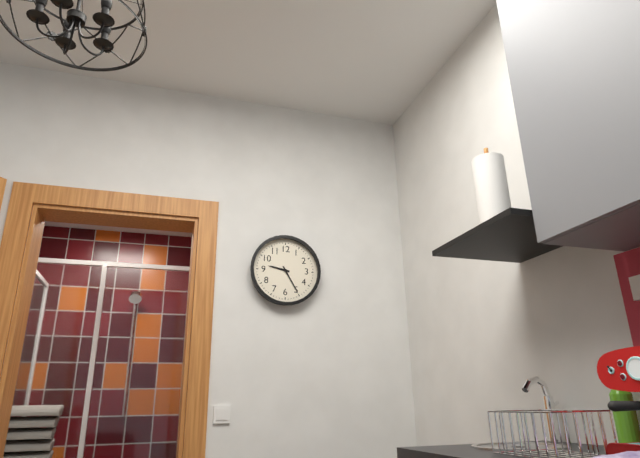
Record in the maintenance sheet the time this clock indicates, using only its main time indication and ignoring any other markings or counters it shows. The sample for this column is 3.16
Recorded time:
9.25
